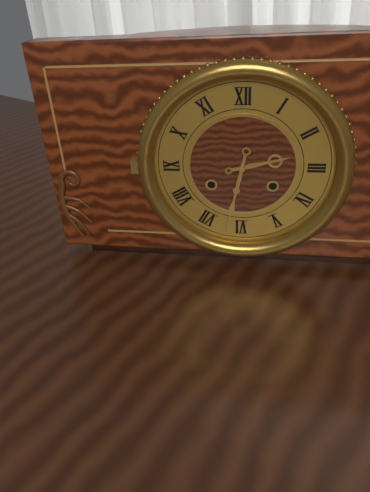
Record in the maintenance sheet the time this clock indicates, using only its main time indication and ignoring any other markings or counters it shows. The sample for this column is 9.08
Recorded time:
2.32
